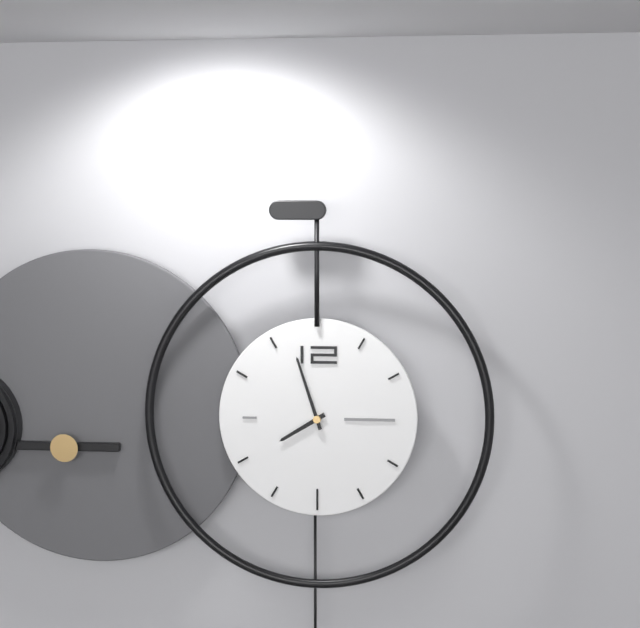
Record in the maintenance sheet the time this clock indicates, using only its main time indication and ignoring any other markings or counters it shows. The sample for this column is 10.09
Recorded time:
7.57
